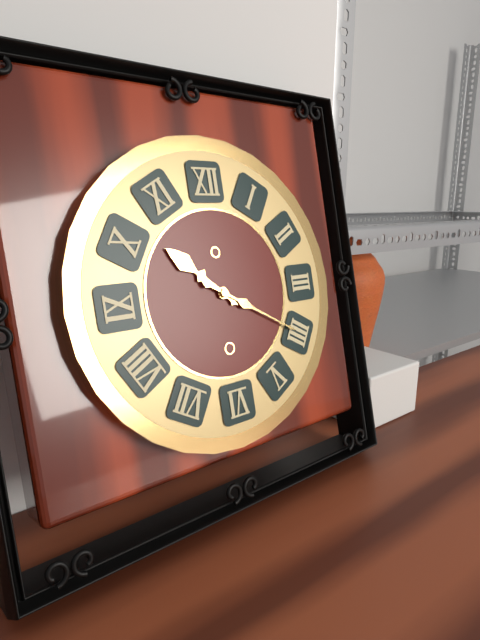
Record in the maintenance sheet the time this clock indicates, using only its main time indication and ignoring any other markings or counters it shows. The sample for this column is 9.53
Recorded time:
10.20
